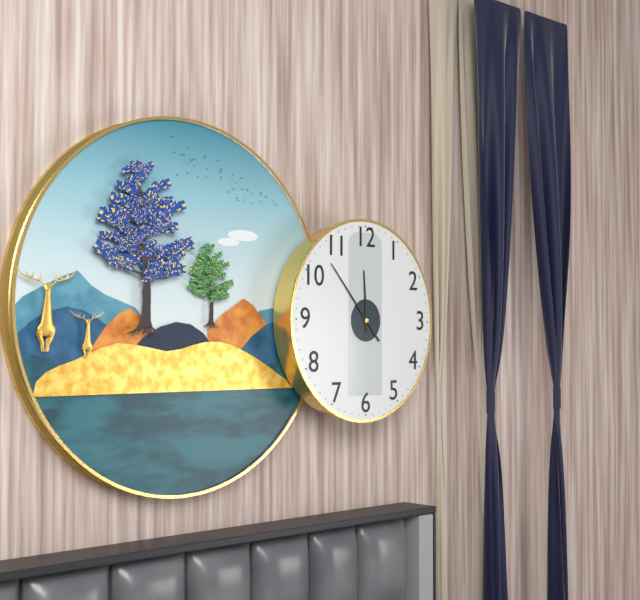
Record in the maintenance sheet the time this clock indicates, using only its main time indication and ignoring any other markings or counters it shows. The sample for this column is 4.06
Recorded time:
11.53
